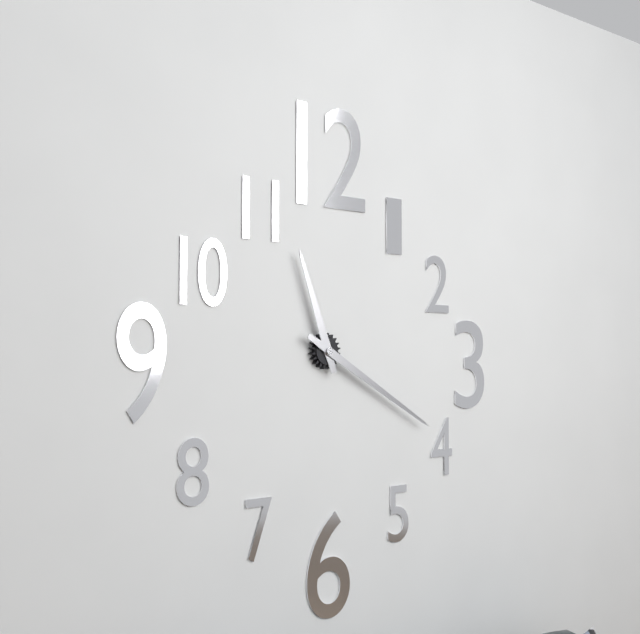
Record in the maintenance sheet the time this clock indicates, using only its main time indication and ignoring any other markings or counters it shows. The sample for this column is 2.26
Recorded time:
11.20
